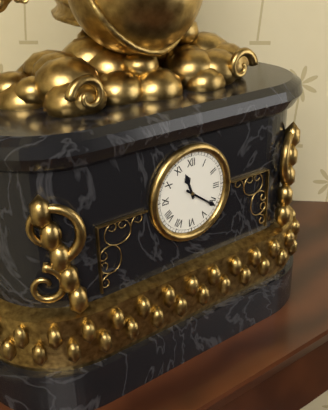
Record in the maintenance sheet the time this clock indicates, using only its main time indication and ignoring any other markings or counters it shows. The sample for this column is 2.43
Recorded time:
11.21
